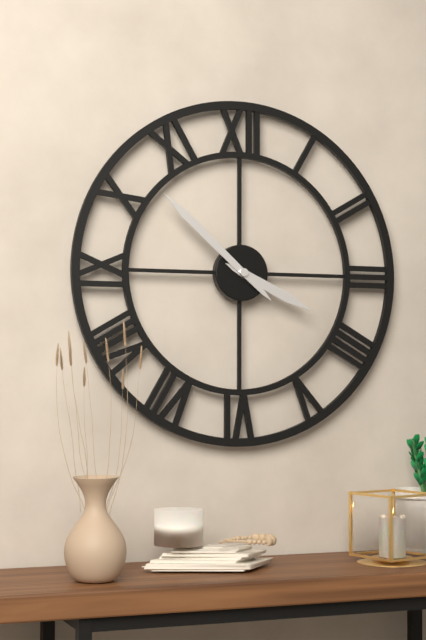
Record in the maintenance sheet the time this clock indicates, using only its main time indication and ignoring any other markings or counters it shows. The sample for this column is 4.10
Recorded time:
3.52
